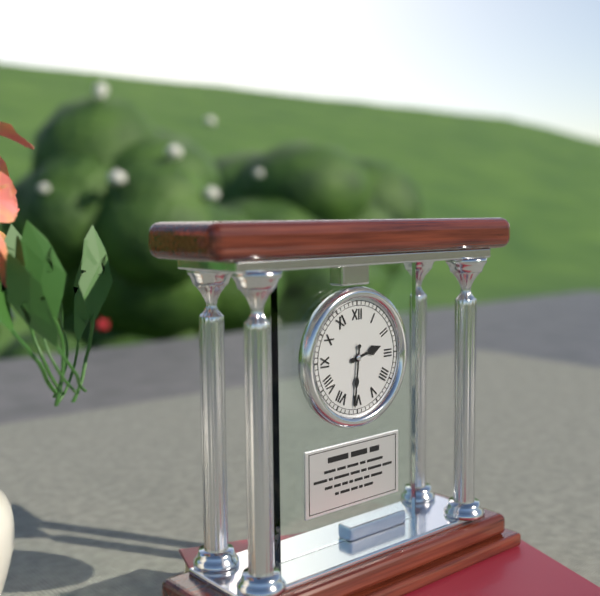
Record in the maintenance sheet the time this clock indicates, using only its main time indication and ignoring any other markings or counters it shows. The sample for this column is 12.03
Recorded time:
2.31
